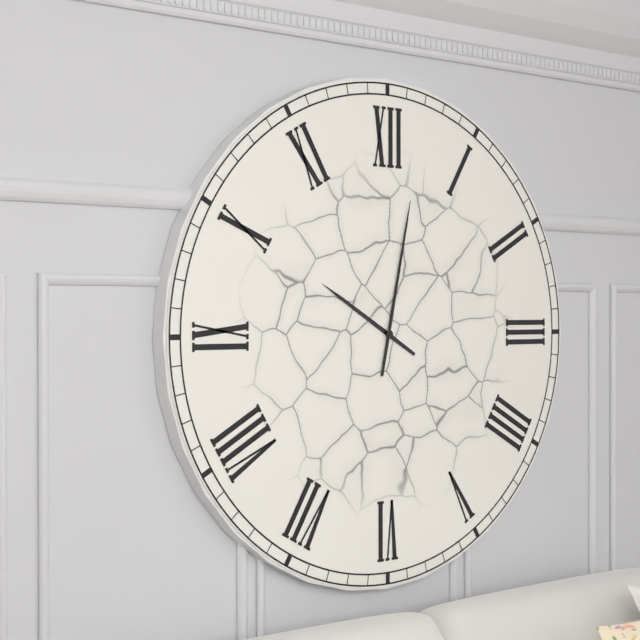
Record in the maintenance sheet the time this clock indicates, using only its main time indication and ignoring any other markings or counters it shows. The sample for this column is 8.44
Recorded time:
10.02
